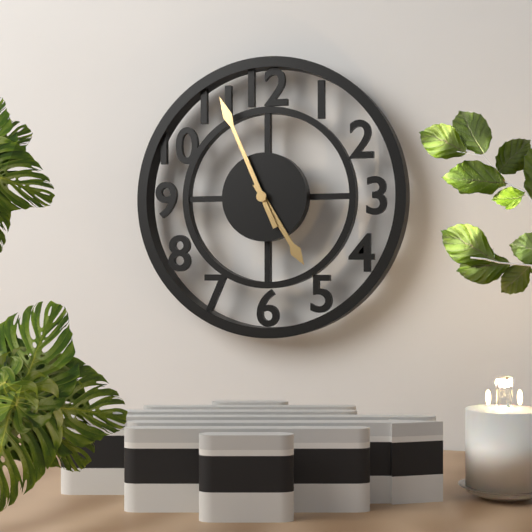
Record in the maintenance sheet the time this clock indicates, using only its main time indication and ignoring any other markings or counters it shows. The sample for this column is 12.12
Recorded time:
4.56
